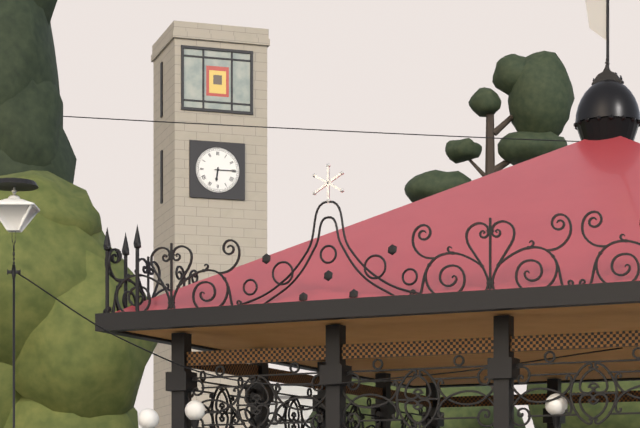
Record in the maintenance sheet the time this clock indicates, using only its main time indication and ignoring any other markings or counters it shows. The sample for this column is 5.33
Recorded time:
6.15
